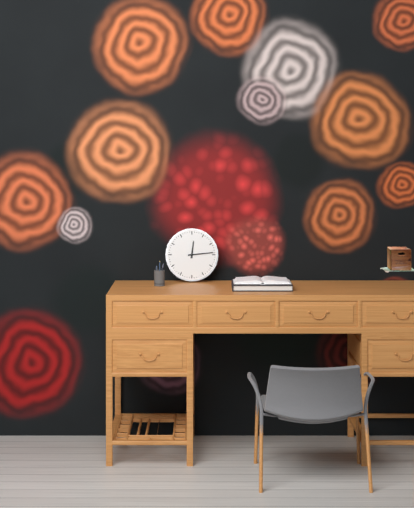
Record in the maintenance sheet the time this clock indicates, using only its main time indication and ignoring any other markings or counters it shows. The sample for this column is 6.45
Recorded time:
12.14
